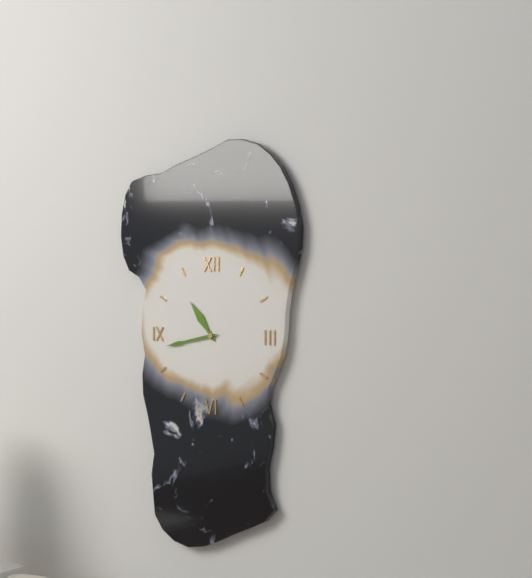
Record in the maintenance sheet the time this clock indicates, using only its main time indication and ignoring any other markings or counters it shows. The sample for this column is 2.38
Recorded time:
10.43
